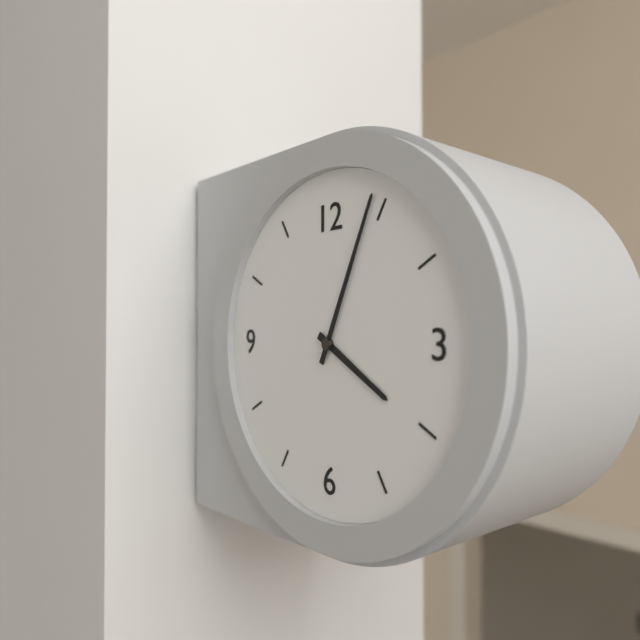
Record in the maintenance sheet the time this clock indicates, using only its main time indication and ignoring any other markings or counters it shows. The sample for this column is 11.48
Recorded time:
4.04
